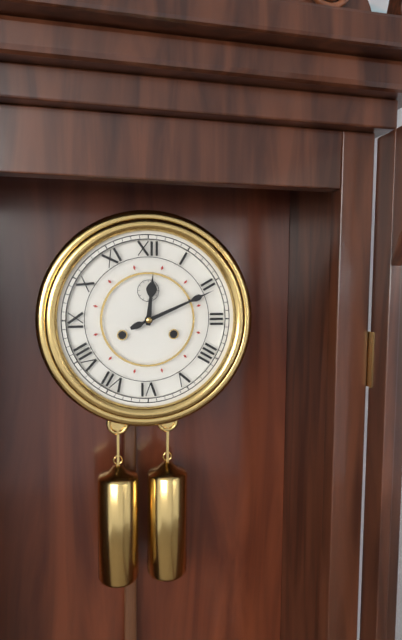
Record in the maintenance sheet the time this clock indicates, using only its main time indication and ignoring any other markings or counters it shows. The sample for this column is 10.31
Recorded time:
12.11
